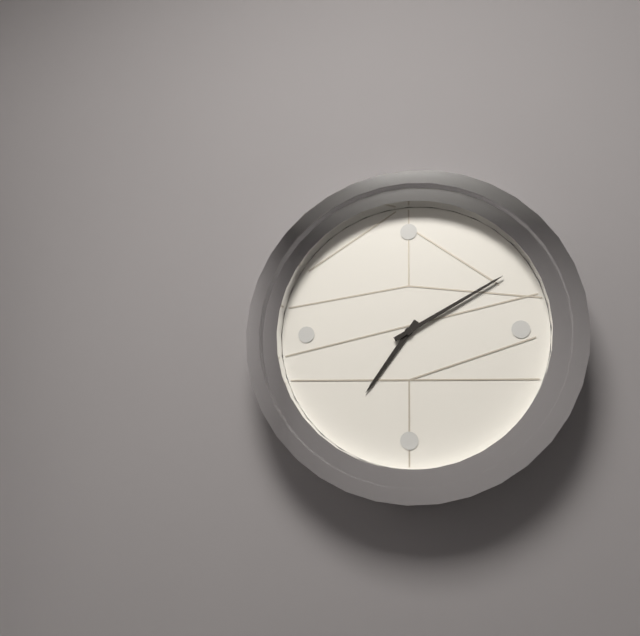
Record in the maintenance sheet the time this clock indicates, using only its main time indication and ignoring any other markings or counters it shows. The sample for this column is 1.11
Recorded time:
7.10
